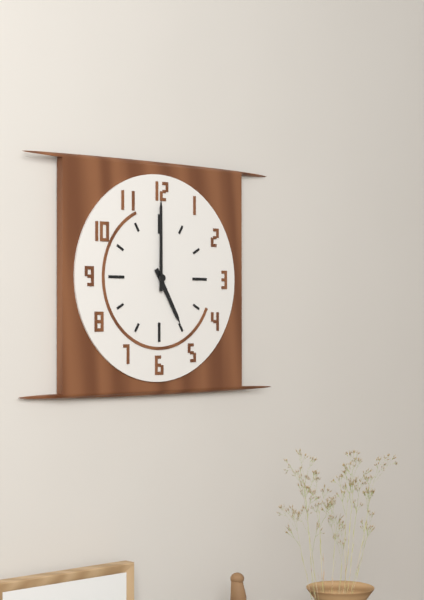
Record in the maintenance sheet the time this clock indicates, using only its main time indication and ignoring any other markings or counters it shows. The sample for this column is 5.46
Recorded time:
5.00
